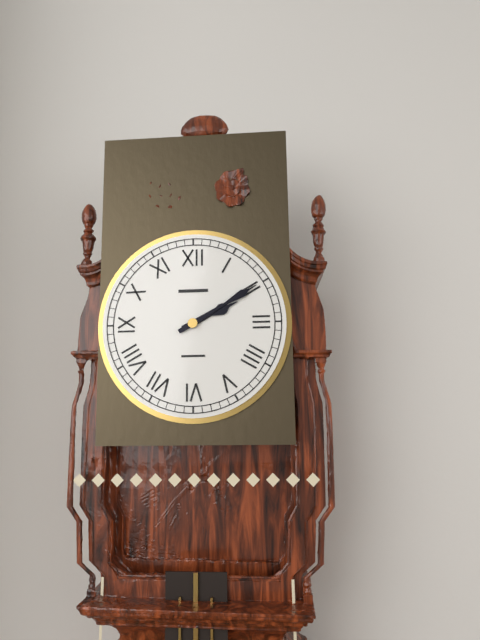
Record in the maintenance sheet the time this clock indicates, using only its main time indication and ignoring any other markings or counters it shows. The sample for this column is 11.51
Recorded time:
2.10
